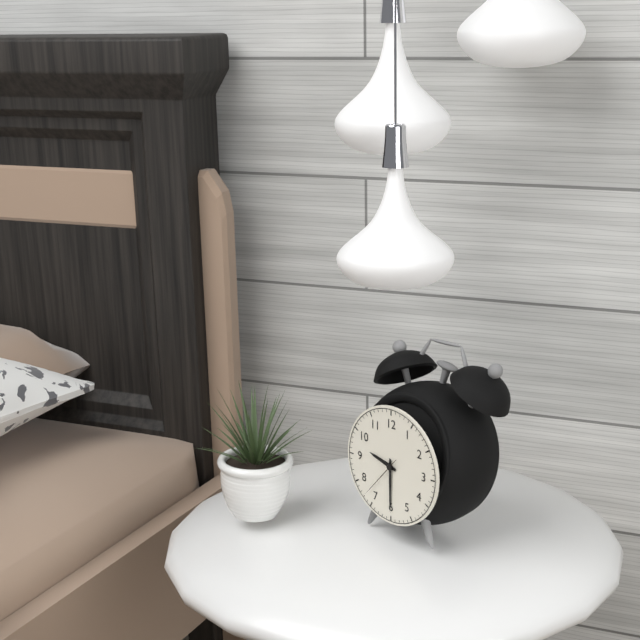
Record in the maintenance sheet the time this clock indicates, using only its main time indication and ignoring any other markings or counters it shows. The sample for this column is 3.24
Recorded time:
9.30
